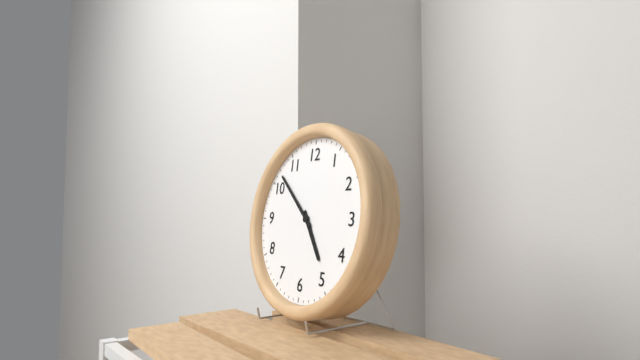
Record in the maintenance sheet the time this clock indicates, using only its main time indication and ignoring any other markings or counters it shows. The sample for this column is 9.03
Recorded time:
4.52
